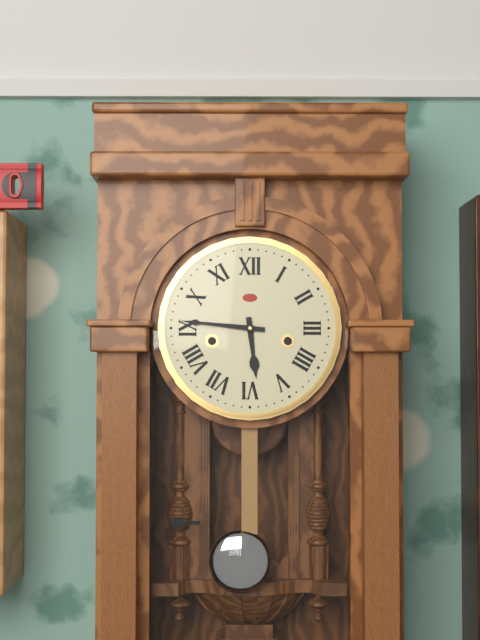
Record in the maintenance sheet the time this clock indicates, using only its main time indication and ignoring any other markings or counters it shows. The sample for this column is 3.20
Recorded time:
5.46
